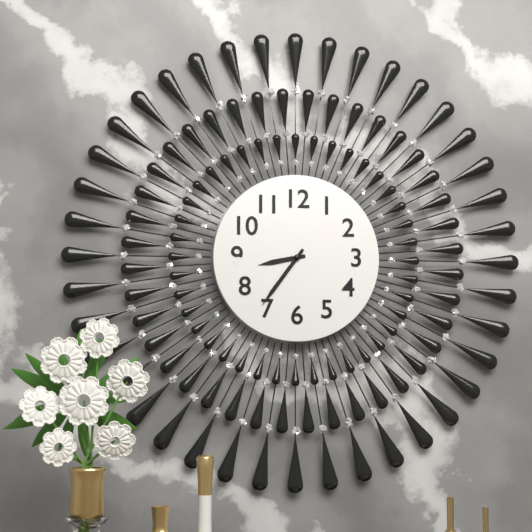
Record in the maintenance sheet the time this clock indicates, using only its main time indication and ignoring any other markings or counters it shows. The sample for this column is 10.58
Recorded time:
8.36
